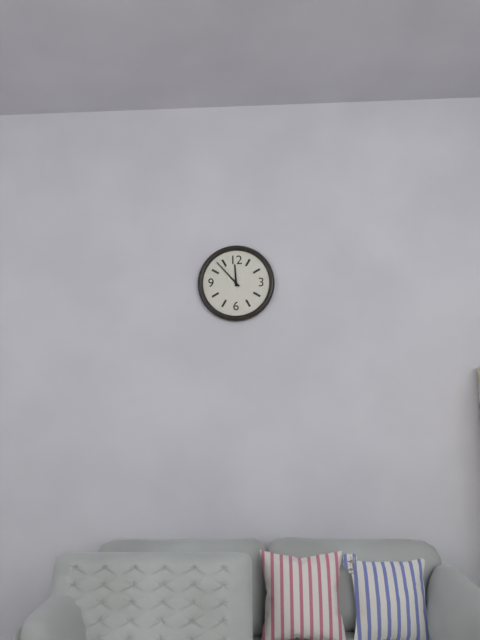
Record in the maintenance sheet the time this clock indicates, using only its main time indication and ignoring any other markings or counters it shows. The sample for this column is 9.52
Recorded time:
11.53
